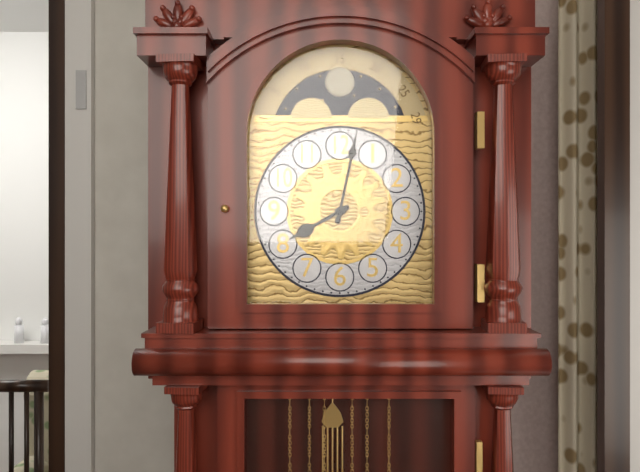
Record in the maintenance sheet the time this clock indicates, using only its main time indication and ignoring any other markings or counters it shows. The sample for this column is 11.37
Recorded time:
8.02
